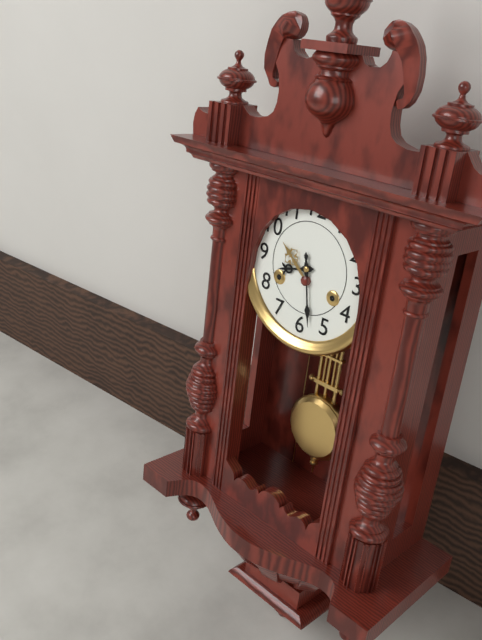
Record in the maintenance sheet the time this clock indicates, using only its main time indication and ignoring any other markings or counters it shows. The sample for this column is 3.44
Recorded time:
8.28
